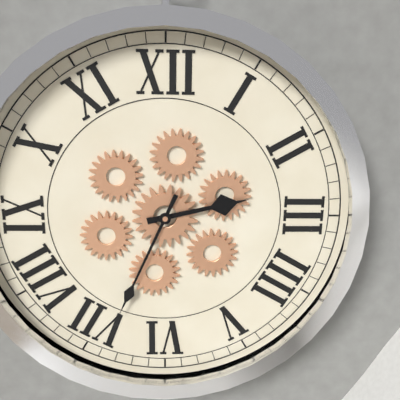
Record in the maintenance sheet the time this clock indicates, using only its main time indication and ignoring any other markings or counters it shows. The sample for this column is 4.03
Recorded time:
2.34
